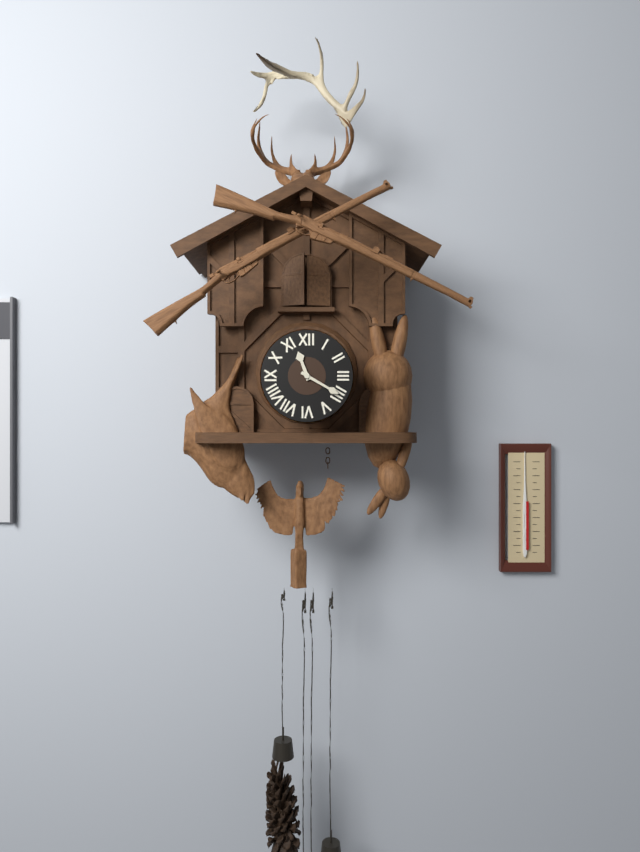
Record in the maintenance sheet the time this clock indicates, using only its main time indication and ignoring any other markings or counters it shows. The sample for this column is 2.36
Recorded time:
11.20
